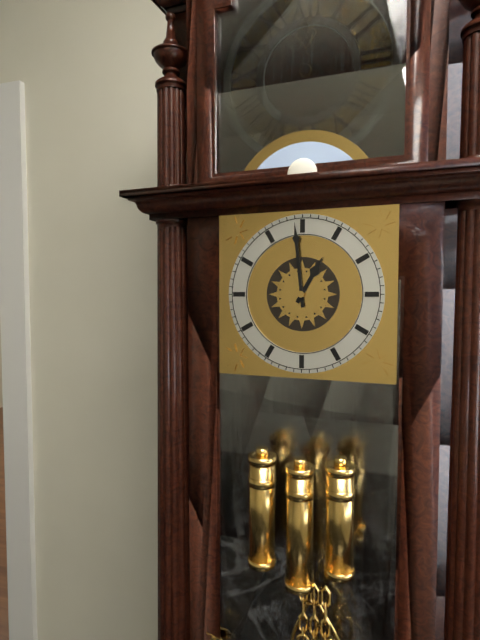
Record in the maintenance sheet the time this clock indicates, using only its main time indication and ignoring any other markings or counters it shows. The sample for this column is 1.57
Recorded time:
12.59
